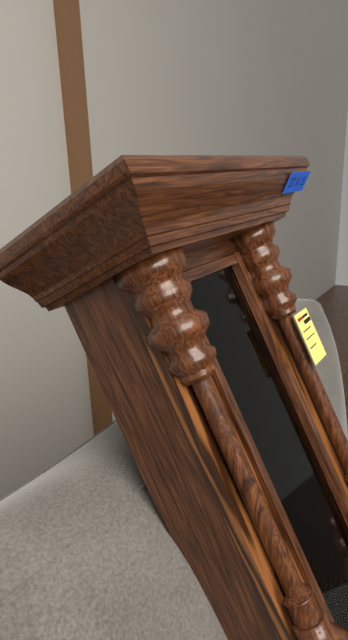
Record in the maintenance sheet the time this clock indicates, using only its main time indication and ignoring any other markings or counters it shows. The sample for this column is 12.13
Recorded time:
7.10
